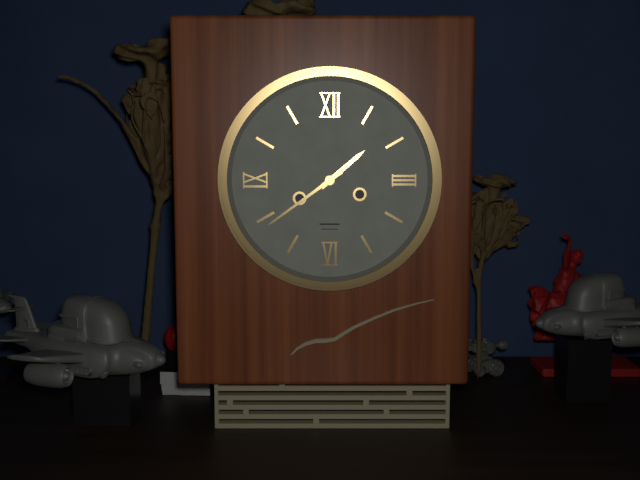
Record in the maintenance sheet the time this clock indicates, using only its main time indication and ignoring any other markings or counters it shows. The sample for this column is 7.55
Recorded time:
1.39
